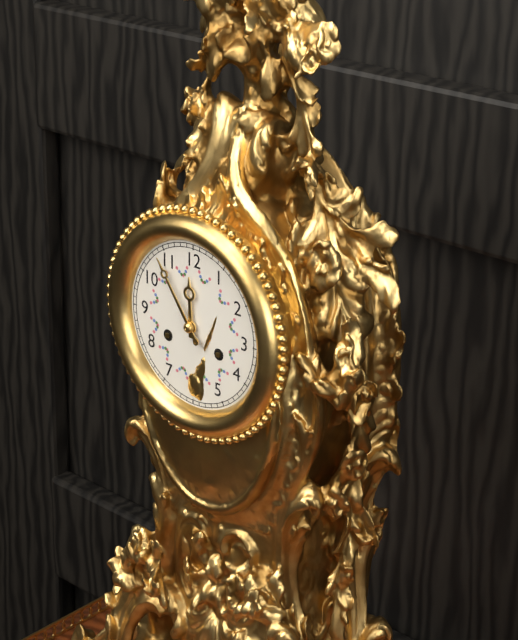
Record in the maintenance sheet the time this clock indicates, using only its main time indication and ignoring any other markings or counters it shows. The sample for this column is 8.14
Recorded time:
11.54
